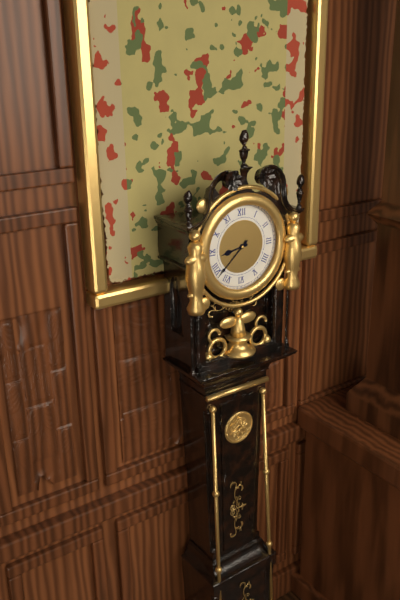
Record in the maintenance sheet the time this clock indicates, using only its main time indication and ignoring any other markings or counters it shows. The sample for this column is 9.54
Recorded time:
8.38
